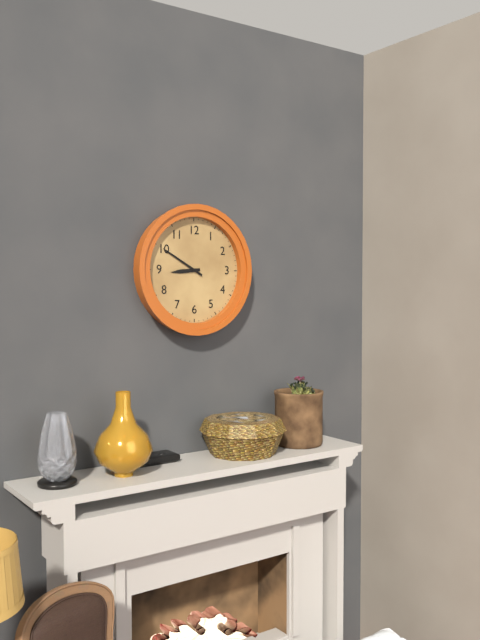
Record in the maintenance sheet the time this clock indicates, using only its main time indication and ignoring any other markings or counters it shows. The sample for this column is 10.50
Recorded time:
8.50
